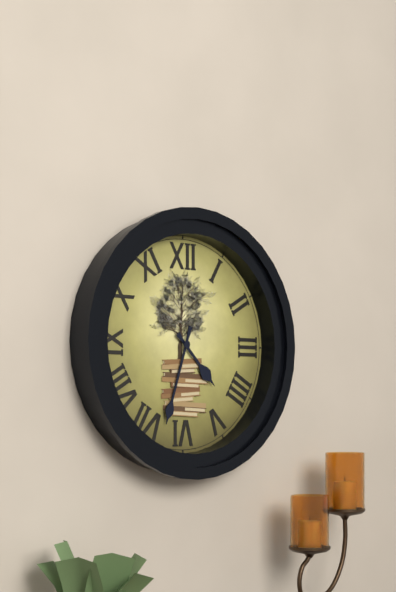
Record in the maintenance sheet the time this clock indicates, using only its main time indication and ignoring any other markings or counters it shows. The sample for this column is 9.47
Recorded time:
4.33
